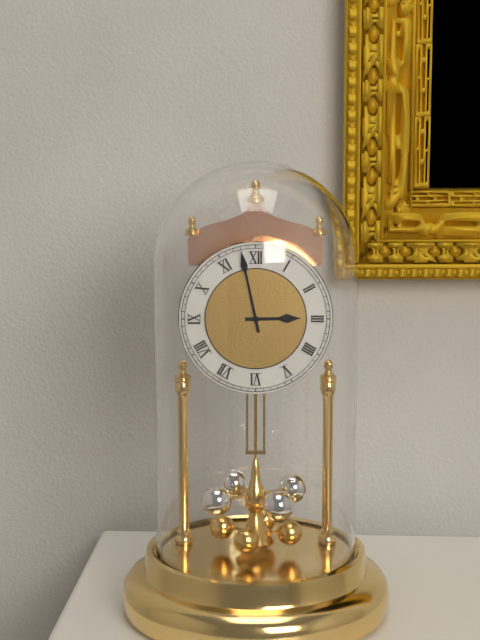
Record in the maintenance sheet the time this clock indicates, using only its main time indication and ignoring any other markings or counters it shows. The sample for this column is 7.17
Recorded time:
2.58
